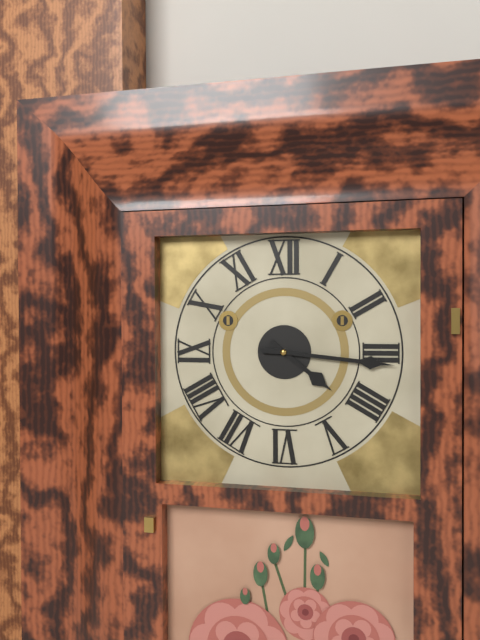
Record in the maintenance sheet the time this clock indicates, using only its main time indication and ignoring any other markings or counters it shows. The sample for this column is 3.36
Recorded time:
4.16
